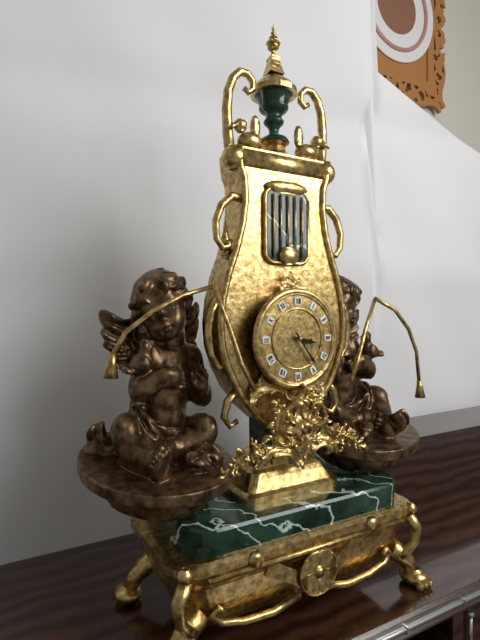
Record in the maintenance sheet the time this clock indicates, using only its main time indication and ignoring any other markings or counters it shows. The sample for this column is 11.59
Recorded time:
3.24
